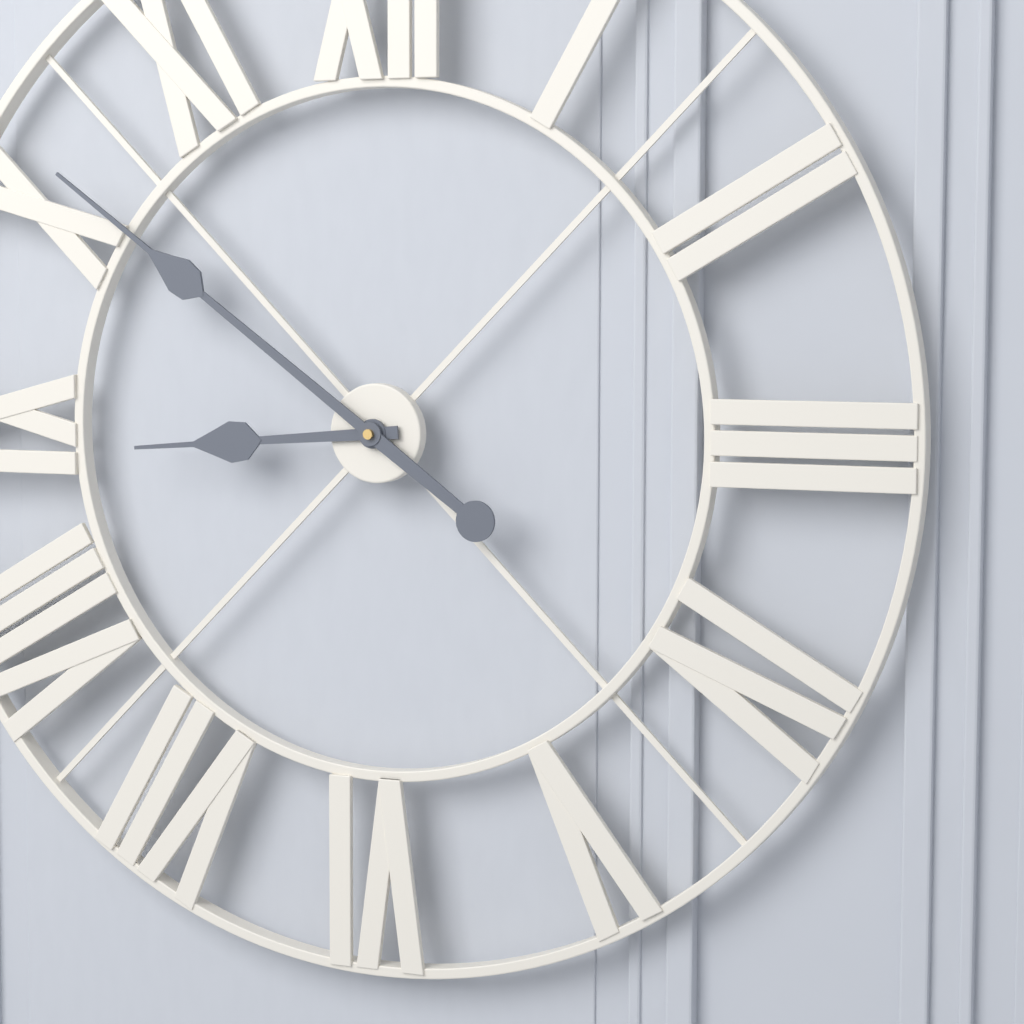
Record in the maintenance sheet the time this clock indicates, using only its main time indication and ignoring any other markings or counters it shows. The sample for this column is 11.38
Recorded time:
8.51
